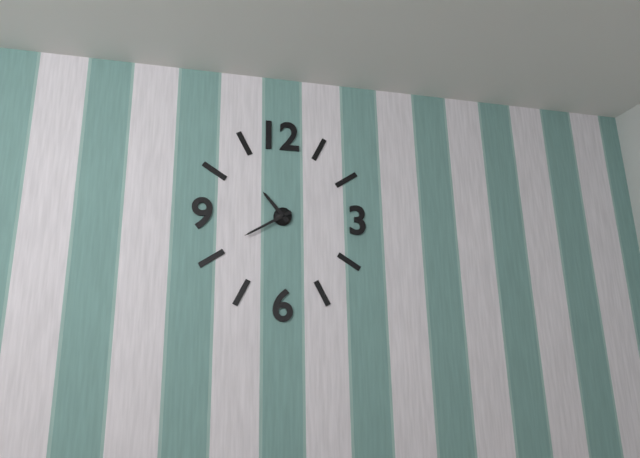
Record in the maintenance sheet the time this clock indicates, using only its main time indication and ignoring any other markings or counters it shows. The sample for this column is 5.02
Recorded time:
10.40
